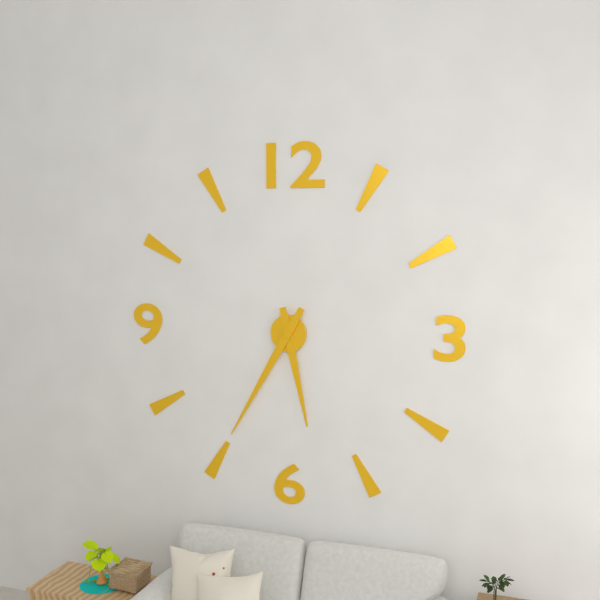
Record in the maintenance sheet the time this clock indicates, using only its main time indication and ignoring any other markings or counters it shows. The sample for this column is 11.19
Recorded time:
5.35
